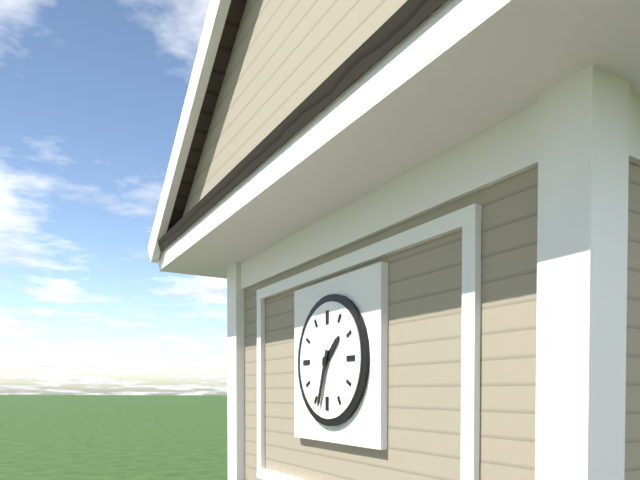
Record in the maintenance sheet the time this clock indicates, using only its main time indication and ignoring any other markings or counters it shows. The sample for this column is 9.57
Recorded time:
1.33
